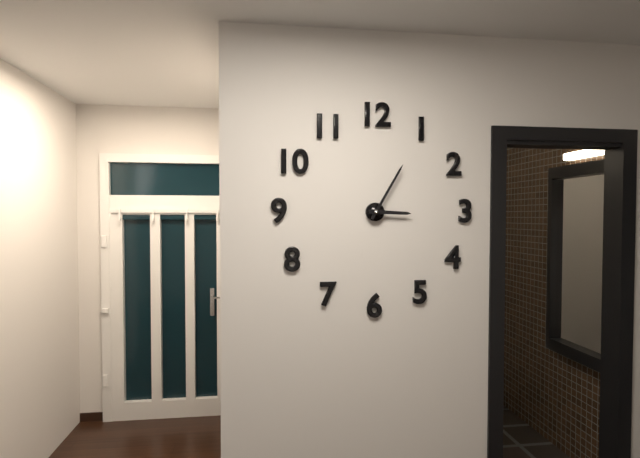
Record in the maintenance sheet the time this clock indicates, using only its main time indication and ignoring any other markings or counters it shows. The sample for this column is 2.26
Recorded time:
3.05
